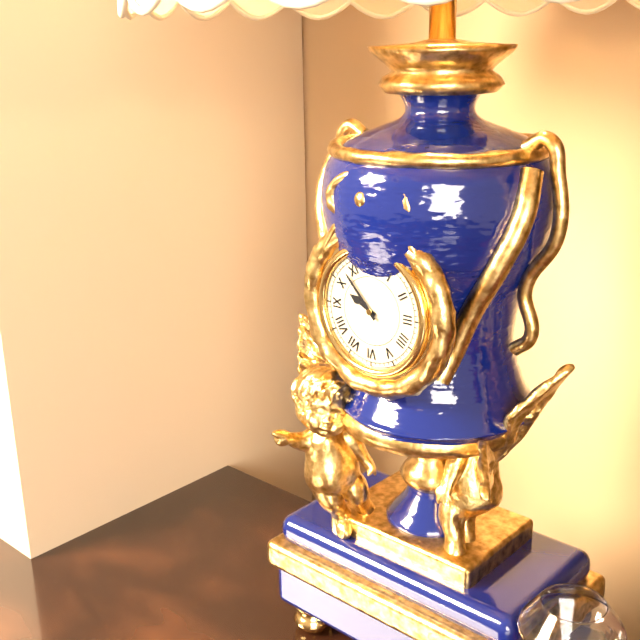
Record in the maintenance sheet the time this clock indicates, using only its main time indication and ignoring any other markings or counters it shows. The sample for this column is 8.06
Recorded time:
9.53
